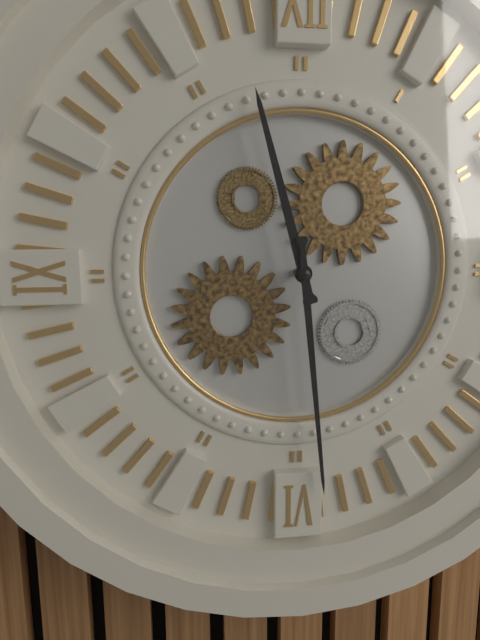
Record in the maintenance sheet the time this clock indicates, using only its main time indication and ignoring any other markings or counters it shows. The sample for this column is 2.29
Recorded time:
11.29
